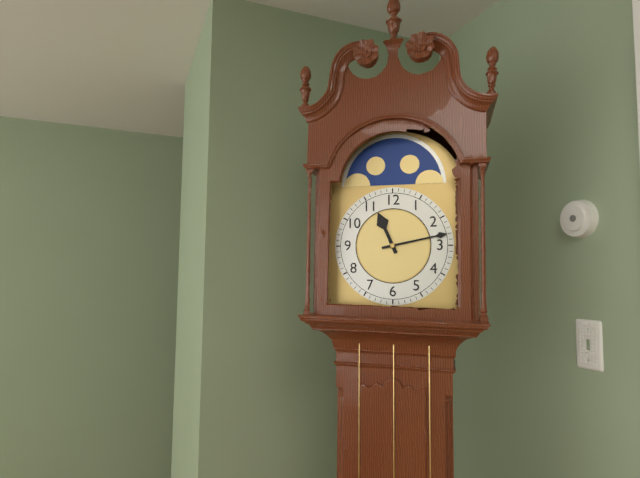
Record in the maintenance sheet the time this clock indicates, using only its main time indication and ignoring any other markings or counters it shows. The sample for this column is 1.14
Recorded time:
11.13
